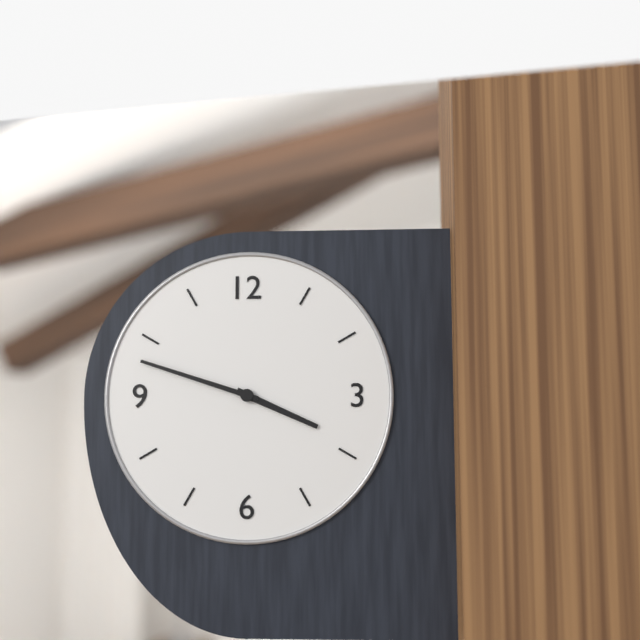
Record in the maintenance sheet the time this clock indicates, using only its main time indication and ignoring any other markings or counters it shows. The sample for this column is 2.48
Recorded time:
3.48
